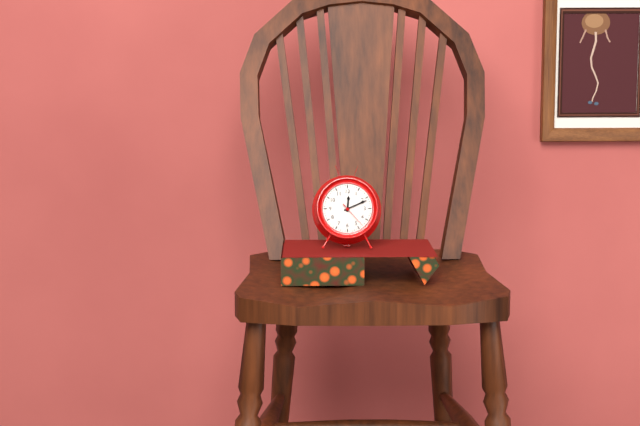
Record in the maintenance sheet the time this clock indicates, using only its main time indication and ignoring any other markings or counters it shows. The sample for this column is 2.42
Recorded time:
12.11
